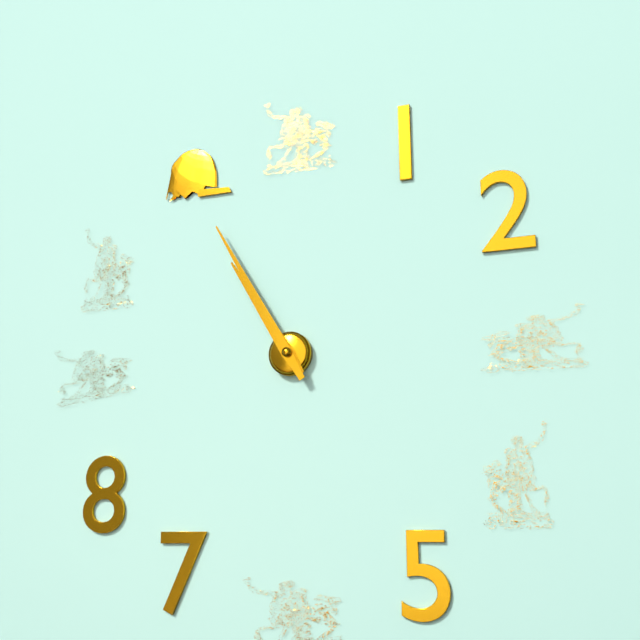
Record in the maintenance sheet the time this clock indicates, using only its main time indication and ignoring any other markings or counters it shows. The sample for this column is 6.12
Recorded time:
10.55
